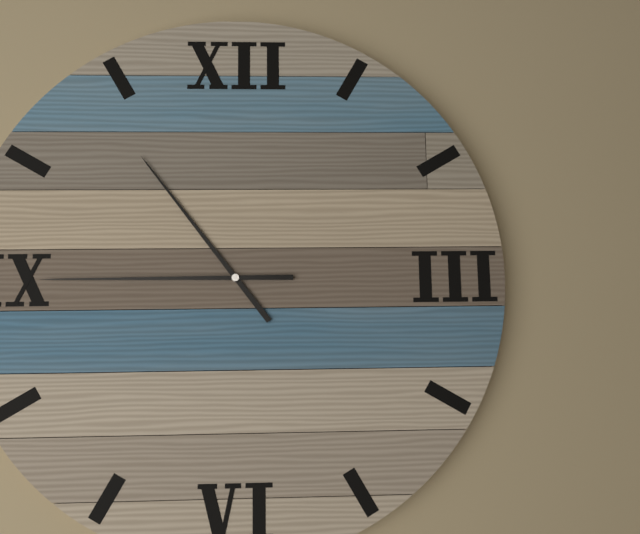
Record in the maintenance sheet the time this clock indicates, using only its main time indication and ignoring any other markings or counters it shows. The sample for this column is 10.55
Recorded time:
10.45
